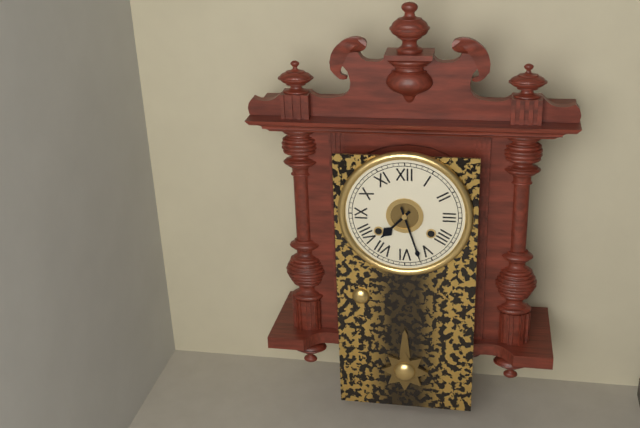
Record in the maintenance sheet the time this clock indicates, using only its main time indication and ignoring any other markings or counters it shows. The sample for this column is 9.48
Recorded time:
7.27
